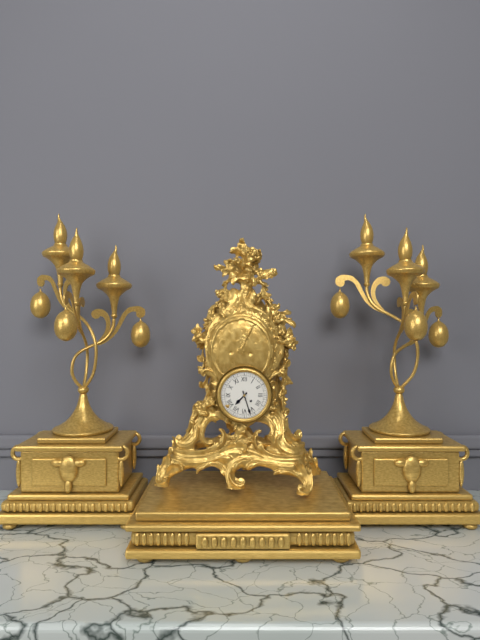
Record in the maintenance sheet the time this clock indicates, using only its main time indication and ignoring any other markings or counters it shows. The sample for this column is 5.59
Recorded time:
7.27
